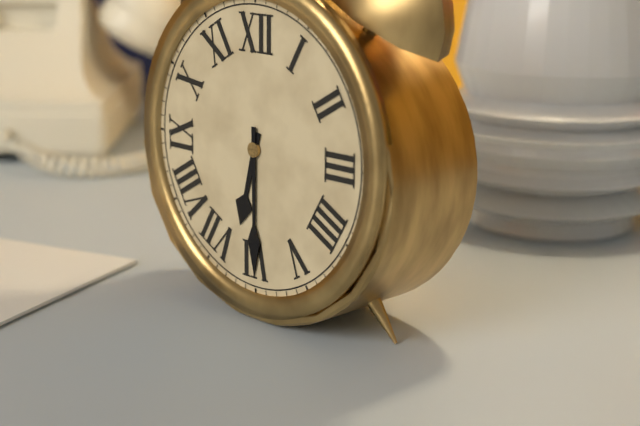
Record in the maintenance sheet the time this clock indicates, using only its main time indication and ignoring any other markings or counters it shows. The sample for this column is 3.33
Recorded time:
6.30
